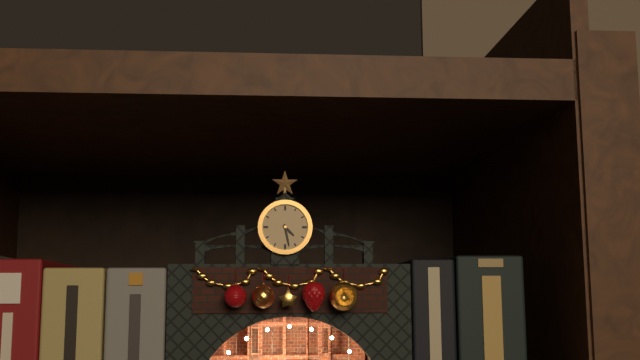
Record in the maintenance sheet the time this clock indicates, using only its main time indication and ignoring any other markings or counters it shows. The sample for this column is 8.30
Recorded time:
4.28
